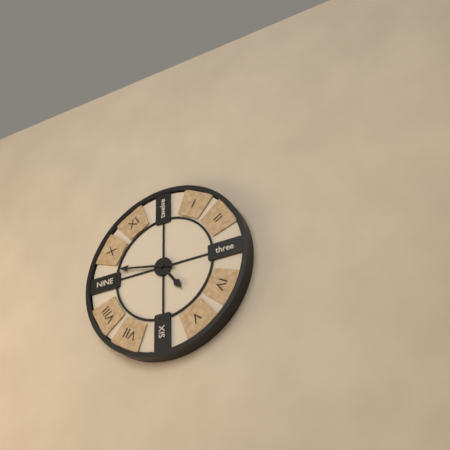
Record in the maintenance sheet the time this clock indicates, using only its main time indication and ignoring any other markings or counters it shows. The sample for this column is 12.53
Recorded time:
4.47
